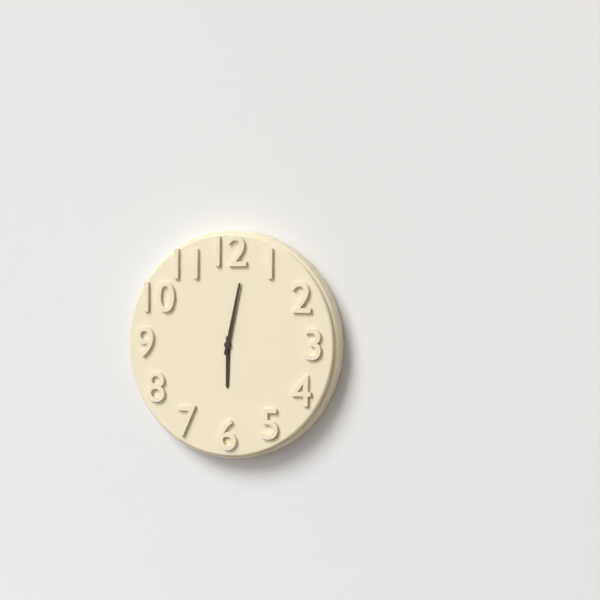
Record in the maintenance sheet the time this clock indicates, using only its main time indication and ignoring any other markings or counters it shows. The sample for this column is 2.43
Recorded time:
6.02
